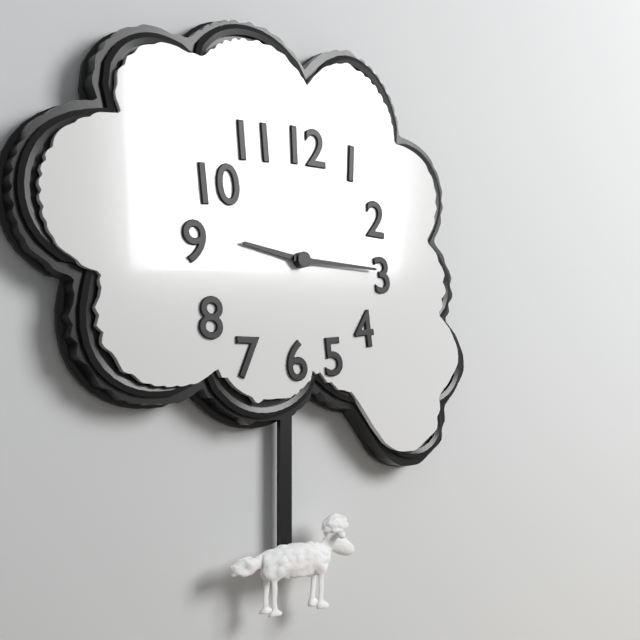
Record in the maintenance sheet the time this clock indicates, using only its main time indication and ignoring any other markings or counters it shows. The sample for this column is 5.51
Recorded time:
9.15
